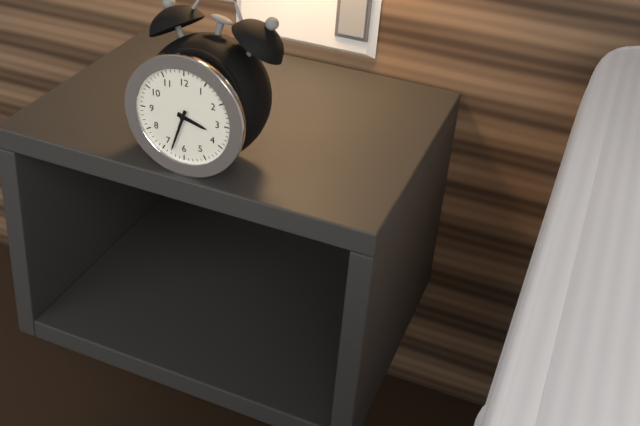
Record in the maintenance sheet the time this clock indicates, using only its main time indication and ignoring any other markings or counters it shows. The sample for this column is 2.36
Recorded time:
3.33
